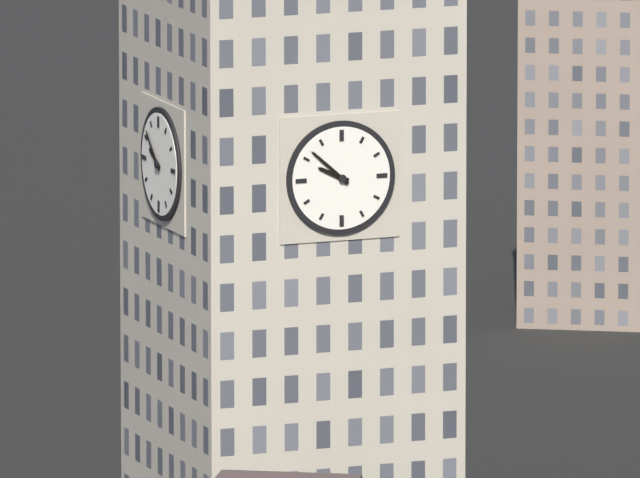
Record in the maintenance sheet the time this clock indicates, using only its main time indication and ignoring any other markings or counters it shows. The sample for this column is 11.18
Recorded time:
9.52
